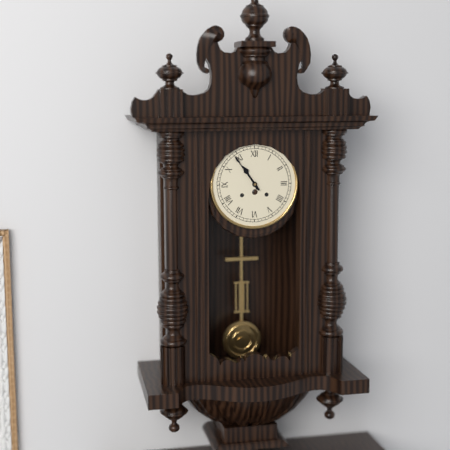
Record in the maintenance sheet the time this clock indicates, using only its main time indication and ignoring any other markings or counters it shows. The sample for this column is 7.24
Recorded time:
10.54
